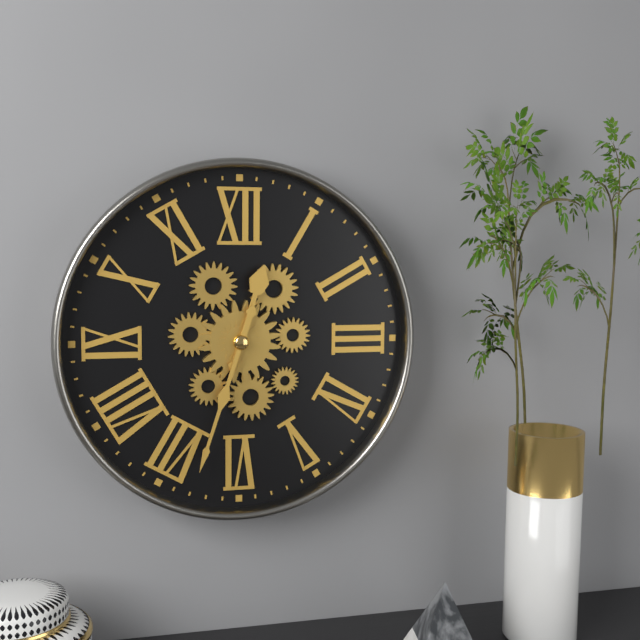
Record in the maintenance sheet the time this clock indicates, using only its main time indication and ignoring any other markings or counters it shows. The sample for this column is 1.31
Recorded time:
12.33
